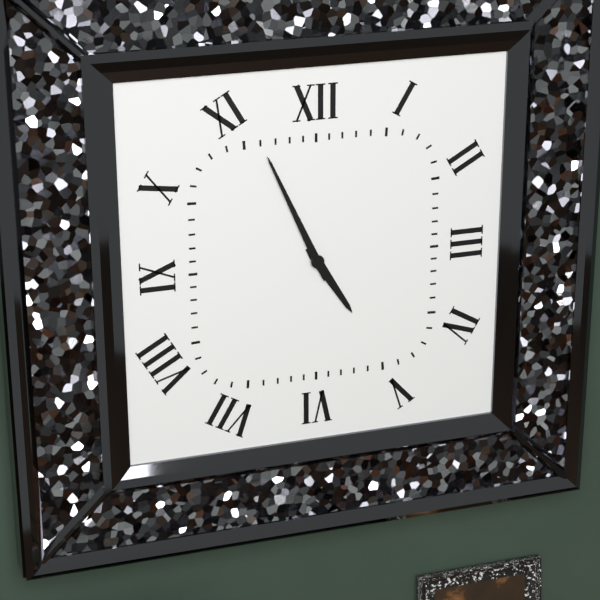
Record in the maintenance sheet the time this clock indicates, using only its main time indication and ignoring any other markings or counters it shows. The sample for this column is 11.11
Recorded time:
4.56
